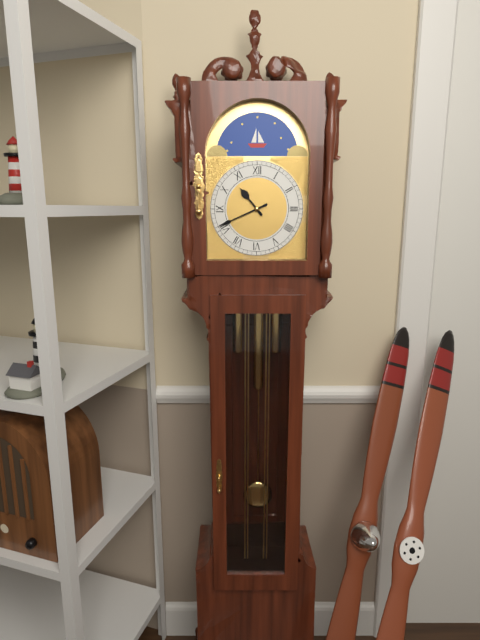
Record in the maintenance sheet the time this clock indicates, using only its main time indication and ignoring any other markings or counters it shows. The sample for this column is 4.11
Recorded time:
10.41
